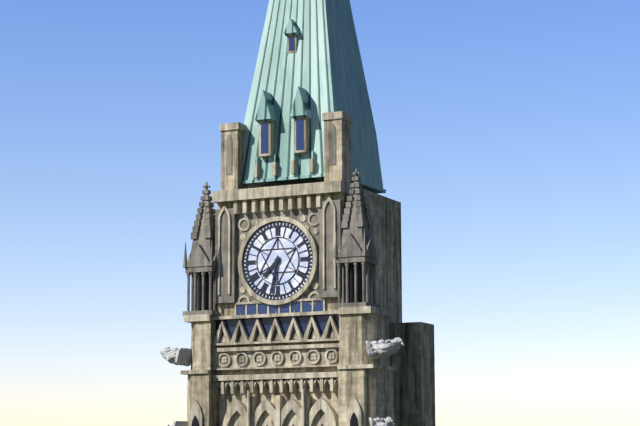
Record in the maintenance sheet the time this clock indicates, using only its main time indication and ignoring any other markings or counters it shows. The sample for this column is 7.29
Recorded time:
7.32
